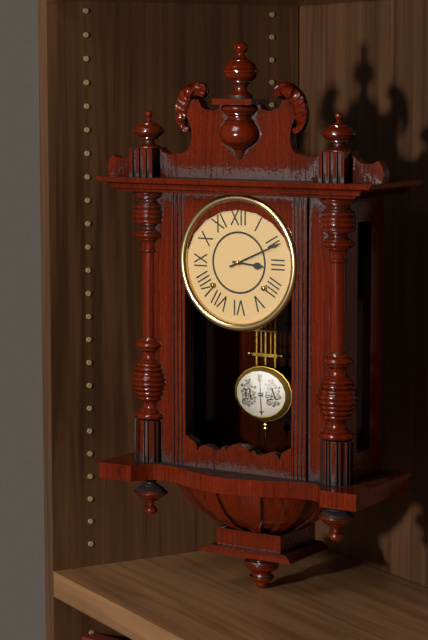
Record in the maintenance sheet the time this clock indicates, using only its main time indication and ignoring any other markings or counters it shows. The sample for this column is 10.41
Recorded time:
3.11
